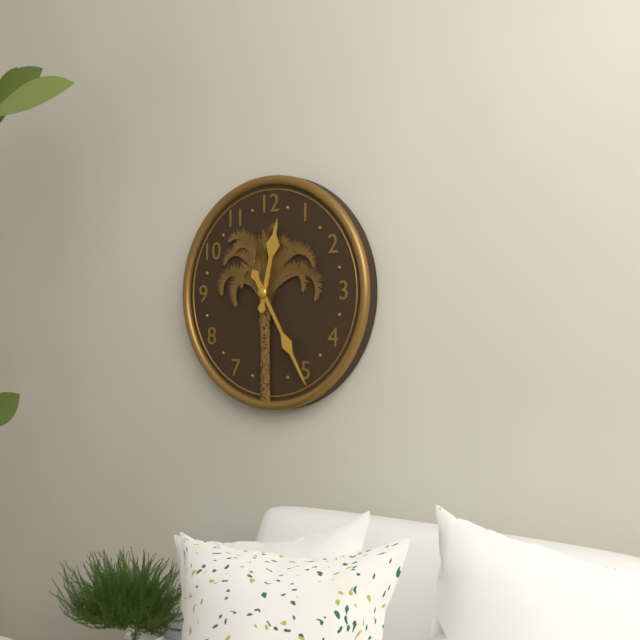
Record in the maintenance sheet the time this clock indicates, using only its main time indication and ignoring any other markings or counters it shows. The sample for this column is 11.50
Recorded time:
12.25
